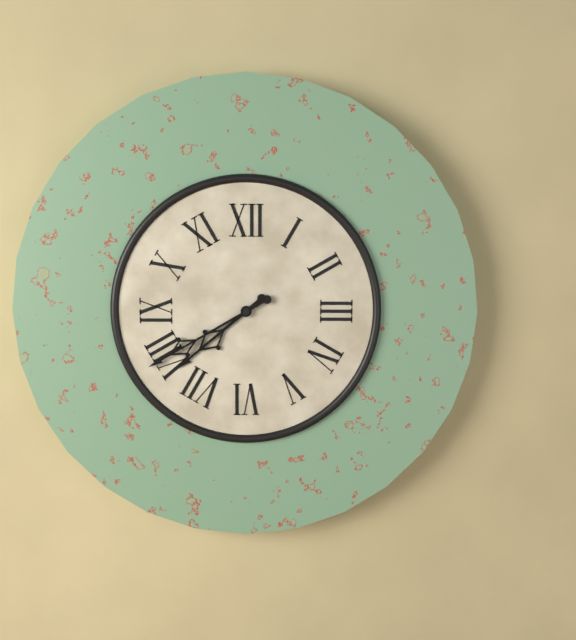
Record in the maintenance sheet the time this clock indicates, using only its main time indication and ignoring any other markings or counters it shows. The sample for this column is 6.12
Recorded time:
7.40
